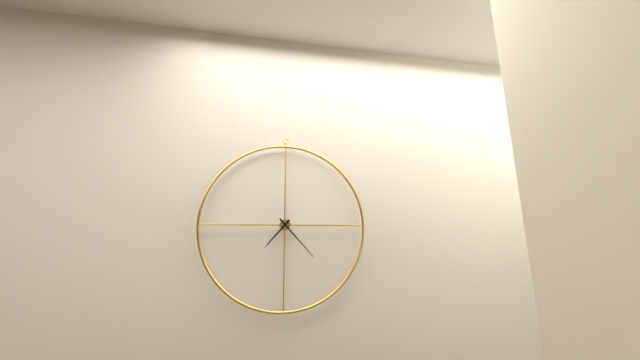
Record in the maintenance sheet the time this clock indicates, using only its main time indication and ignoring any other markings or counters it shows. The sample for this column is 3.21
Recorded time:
7.23
